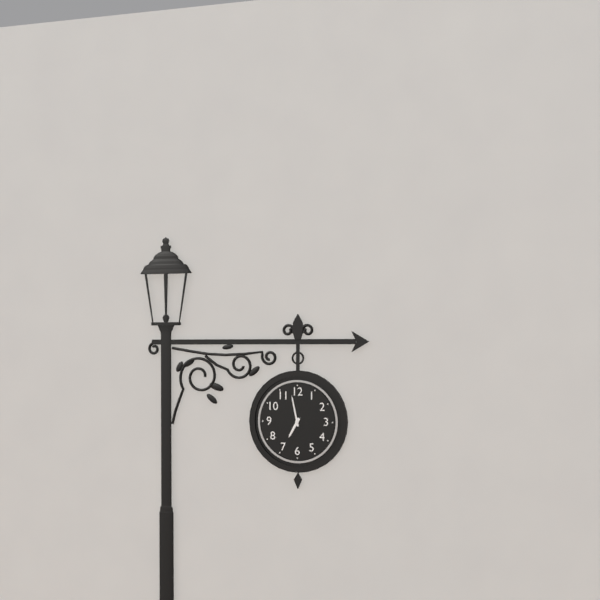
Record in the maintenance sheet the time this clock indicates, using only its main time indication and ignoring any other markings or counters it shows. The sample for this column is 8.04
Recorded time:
6.58
